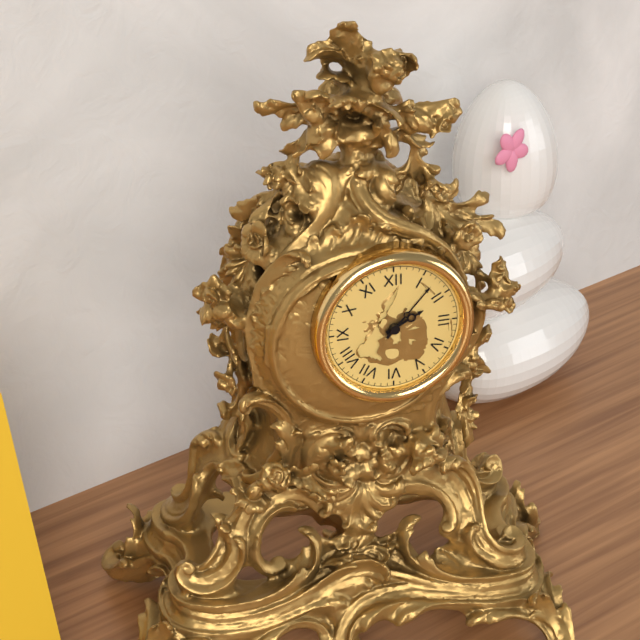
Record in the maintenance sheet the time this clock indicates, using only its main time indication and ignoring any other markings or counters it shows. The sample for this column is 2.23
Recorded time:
2.07
